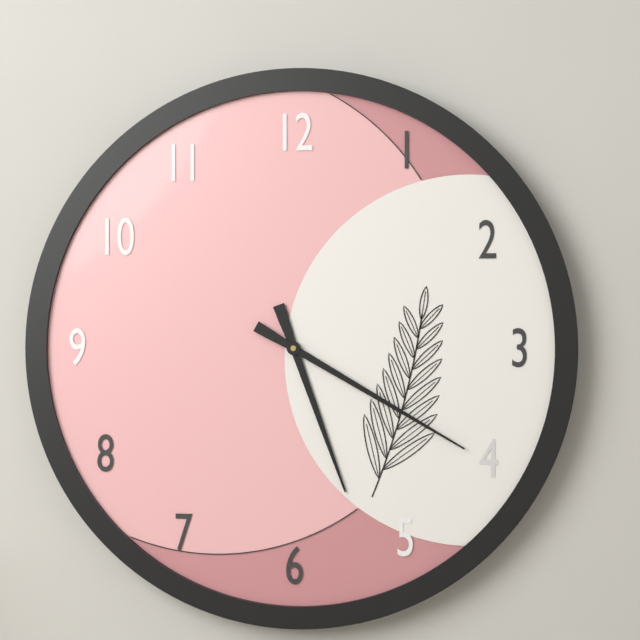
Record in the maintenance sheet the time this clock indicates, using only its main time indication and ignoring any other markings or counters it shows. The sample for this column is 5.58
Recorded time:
5.20
